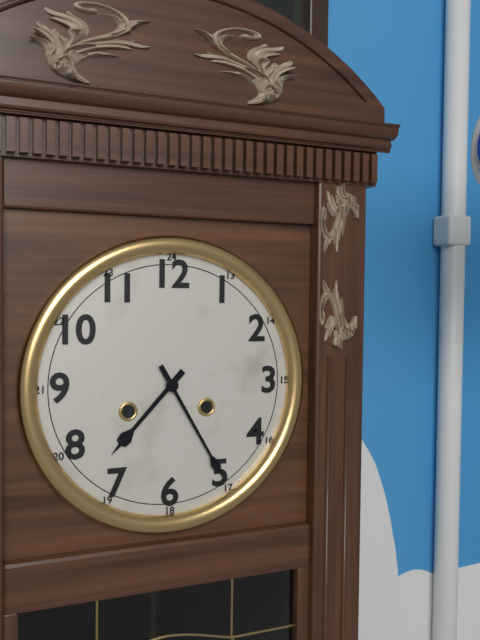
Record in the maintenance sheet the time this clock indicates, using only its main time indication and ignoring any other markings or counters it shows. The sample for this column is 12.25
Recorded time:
7.25
